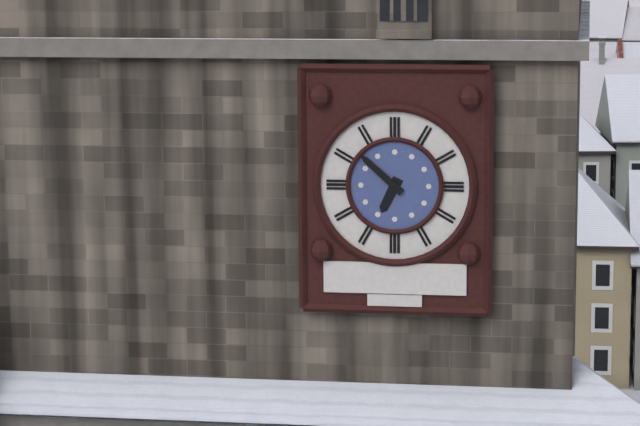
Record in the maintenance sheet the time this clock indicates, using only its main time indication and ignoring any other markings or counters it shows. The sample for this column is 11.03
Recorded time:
6.52
